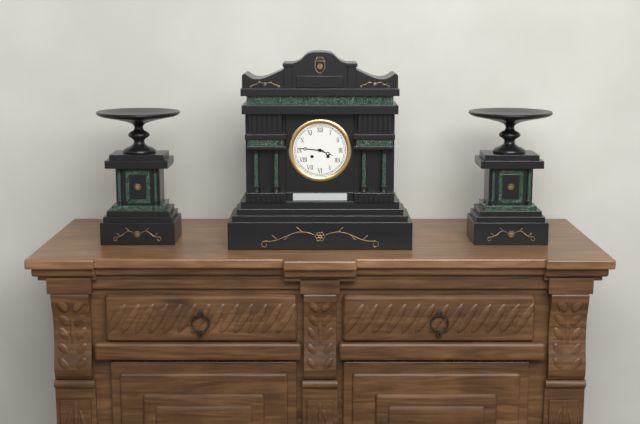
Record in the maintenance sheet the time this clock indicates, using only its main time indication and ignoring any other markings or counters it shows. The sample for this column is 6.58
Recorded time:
3.46
